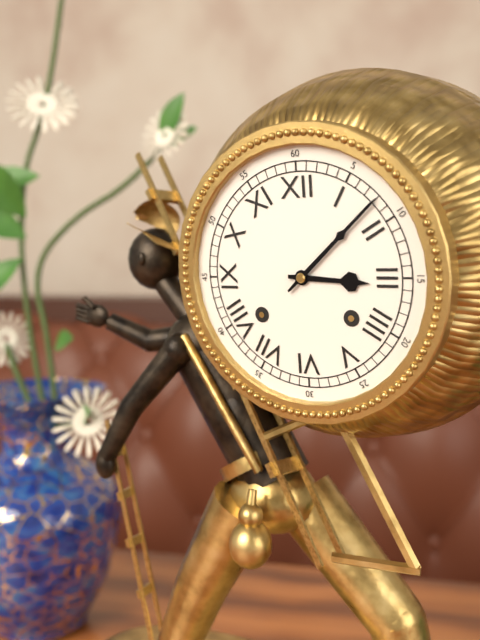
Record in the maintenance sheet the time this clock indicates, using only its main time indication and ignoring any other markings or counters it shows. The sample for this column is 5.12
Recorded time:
3.08
